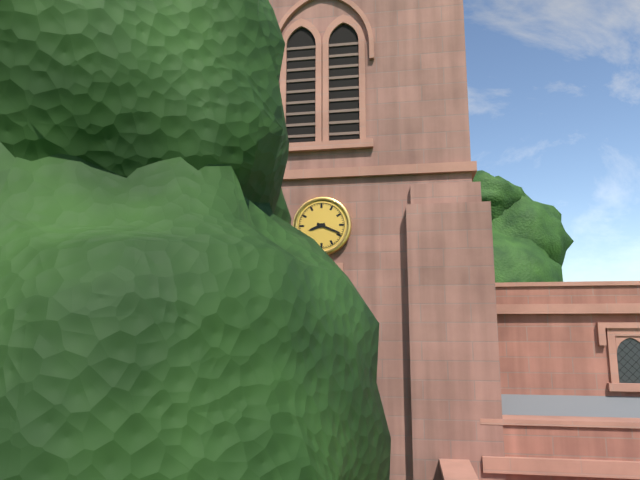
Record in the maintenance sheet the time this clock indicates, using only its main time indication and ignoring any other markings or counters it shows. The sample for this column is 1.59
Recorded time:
8.19
